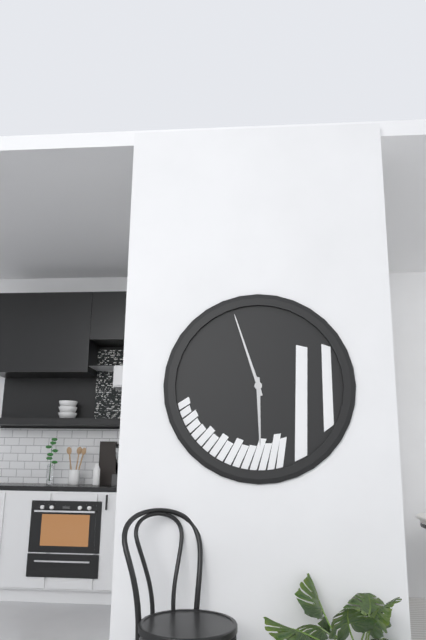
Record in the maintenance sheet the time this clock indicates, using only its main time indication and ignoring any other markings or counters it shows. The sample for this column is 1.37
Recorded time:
5.57
